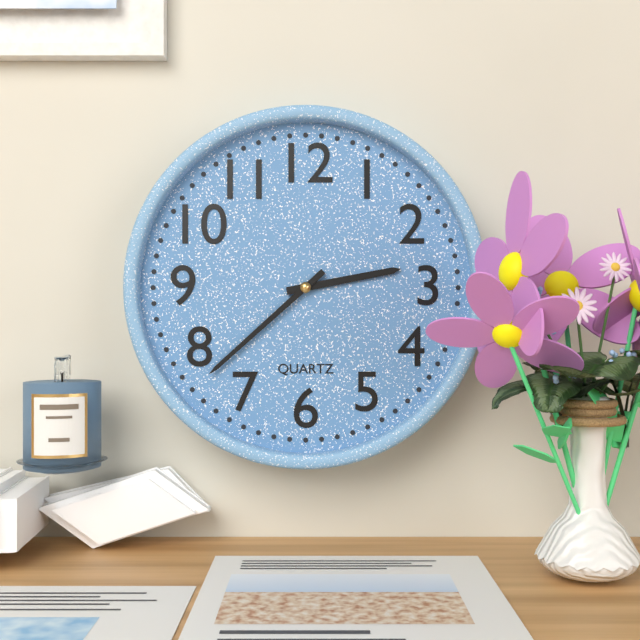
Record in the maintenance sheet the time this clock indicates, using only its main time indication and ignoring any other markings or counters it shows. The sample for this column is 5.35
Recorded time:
2.38
